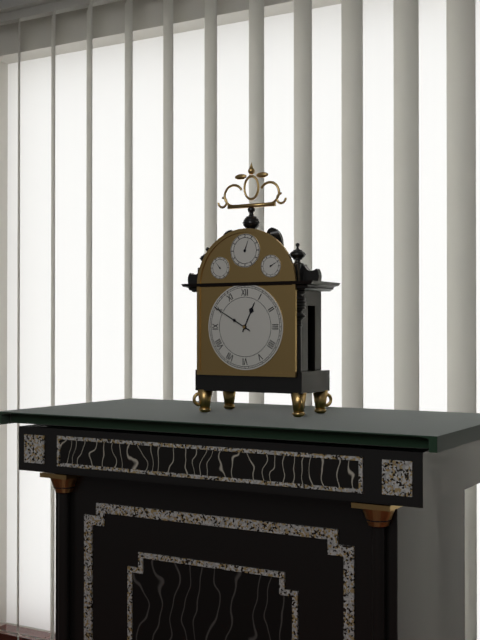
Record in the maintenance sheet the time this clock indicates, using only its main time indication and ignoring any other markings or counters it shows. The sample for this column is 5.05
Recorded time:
12.50
